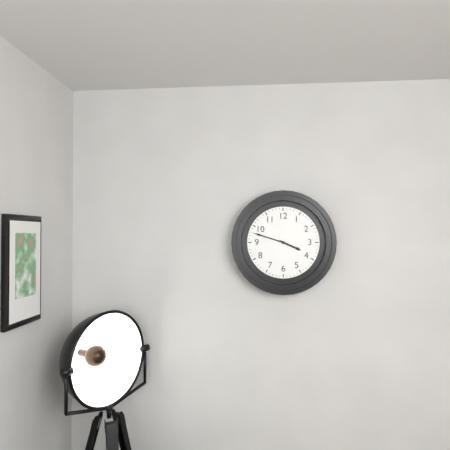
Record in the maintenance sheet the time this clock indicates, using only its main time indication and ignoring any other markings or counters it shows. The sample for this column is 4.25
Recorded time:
3.48
